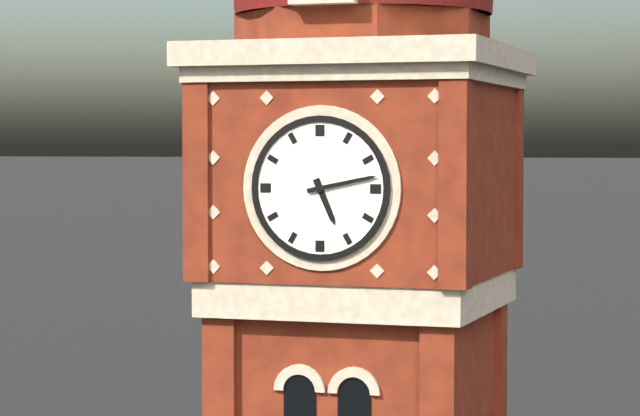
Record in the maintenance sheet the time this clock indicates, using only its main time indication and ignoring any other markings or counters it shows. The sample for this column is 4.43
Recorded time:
5.13
